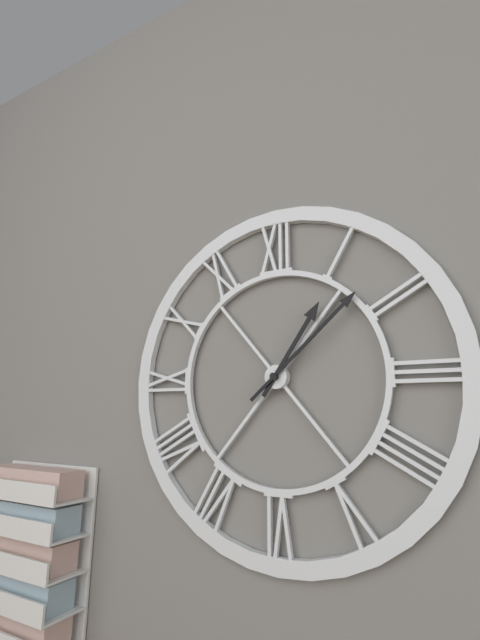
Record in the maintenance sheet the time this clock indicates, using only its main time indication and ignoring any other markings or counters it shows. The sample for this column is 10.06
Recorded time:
1.08
